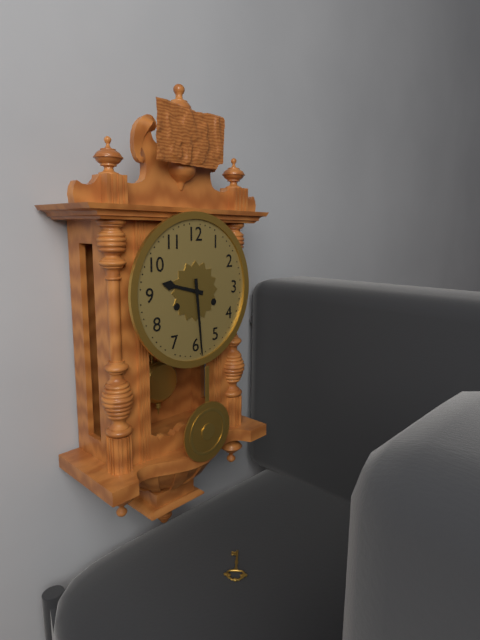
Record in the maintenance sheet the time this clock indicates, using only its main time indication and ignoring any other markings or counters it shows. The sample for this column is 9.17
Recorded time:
9.29
